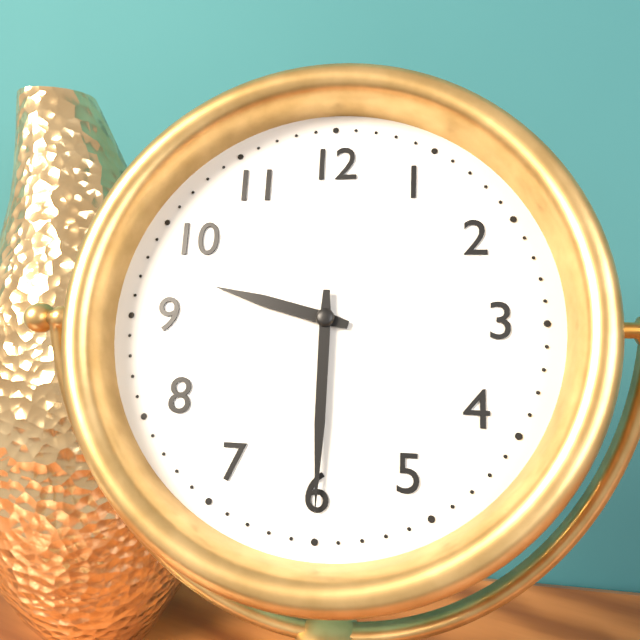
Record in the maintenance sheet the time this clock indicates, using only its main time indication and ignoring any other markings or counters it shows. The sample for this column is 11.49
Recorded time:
9.30
